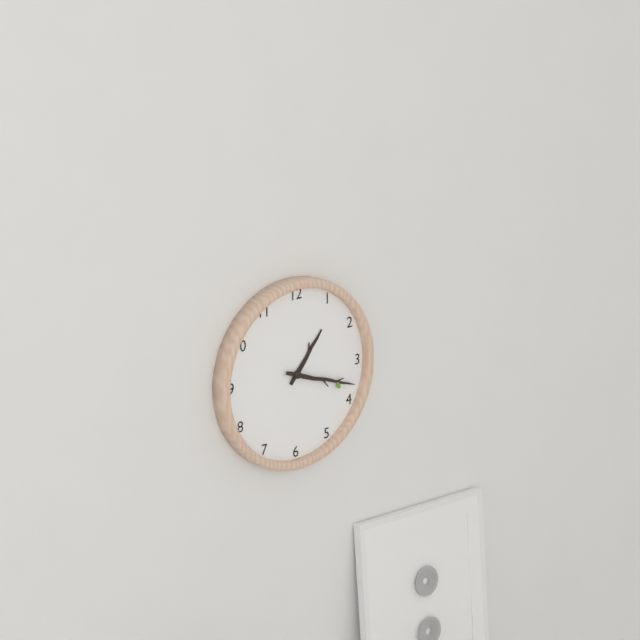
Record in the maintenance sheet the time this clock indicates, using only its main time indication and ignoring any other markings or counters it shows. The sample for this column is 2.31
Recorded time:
1.18
